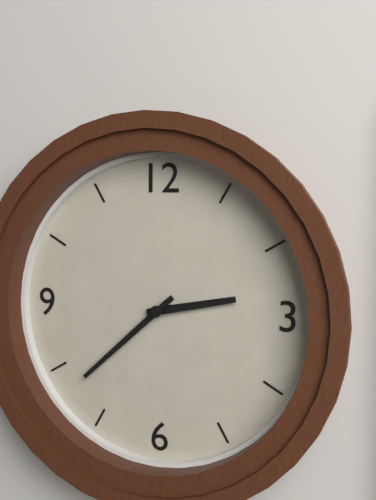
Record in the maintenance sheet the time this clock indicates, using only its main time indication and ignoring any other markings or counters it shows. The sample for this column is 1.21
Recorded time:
2.38
